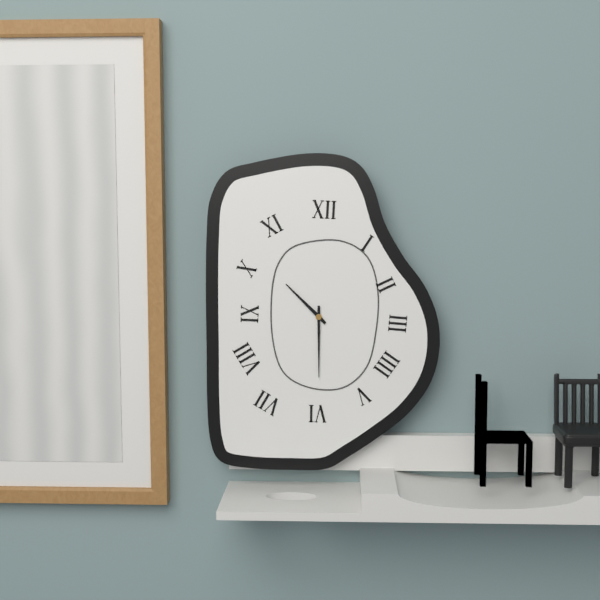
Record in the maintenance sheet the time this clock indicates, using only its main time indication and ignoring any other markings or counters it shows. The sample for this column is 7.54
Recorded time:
10.30
